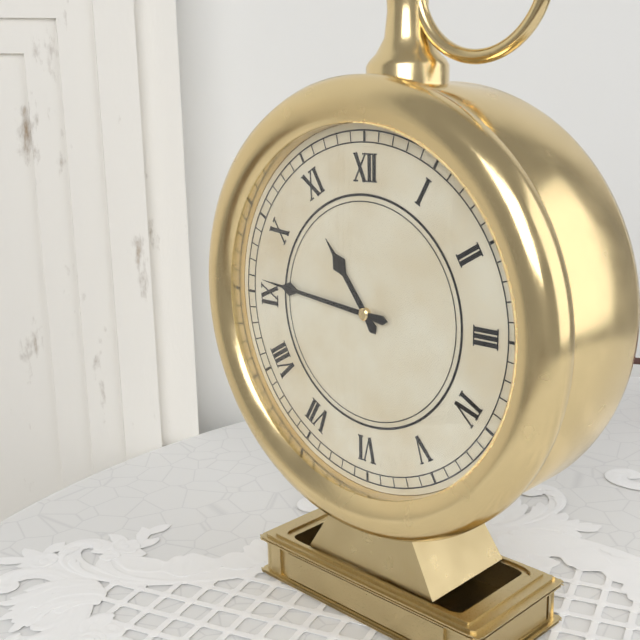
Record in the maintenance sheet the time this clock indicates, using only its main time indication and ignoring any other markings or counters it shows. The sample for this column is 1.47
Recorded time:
10.46
